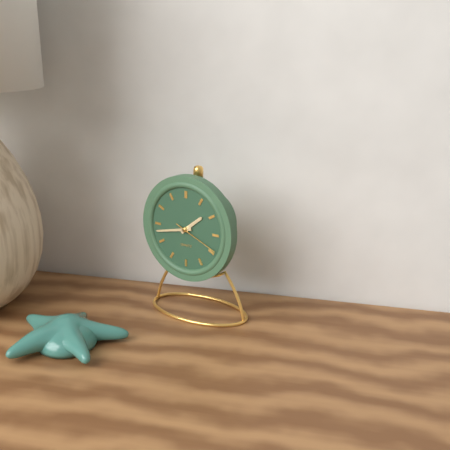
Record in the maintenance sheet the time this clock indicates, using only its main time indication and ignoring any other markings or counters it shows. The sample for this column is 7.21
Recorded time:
1.43
